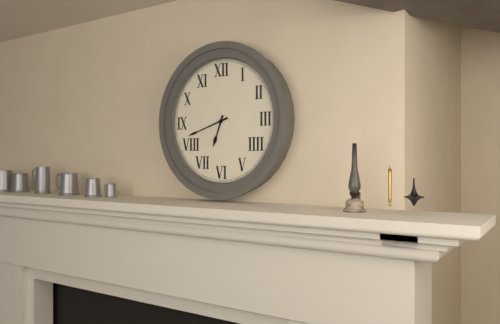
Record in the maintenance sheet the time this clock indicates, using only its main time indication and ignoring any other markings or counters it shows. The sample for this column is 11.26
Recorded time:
6.42
